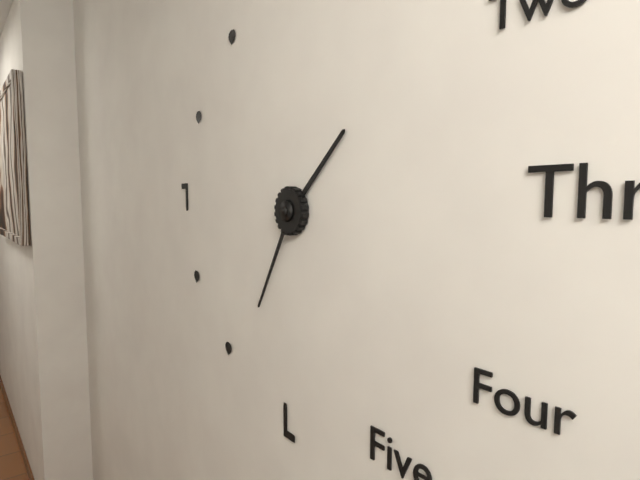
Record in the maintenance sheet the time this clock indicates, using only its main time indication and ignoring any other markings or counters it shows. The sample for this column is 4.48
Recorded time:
1.35
